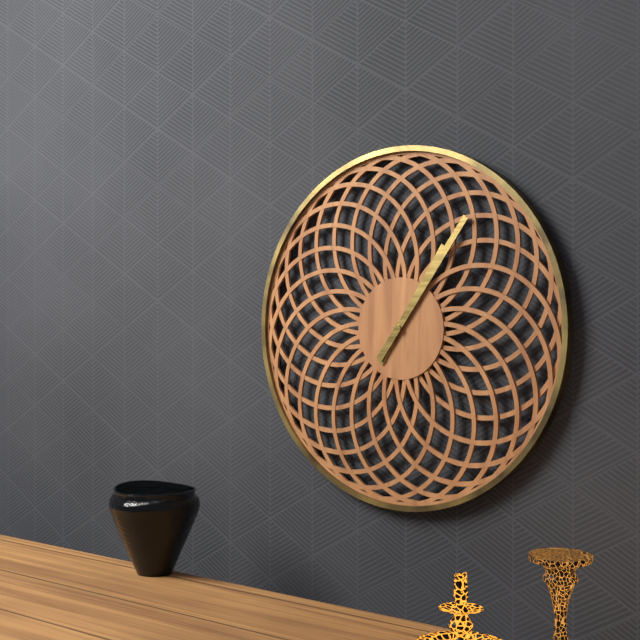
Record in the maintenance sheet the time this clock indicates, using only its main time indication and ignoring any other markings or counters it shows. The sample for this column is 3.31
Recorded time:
1.06
